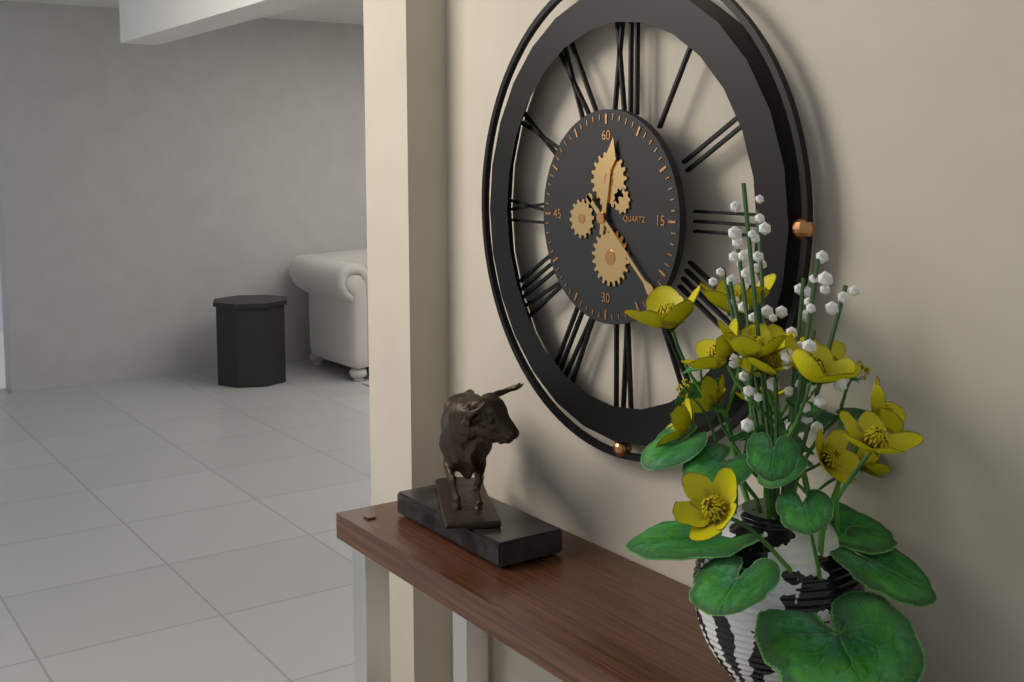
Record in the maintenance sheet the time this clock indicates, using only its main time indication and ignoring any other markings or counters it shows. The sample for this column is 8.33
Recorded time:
12.22
